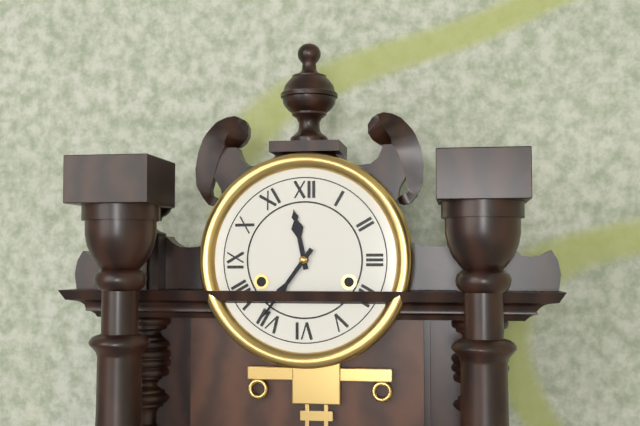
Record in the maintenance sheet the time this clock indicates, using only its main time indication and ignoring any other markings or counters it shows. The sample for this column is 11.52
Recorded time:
11.36
